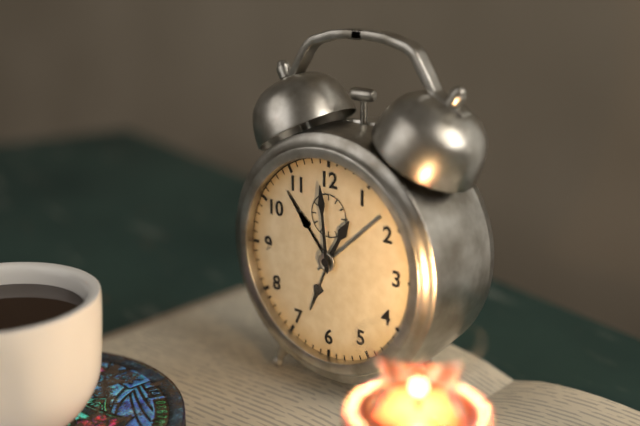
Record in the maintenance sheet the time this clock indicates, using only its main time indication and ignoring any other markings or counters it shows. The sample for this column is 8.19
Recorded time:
12.59
